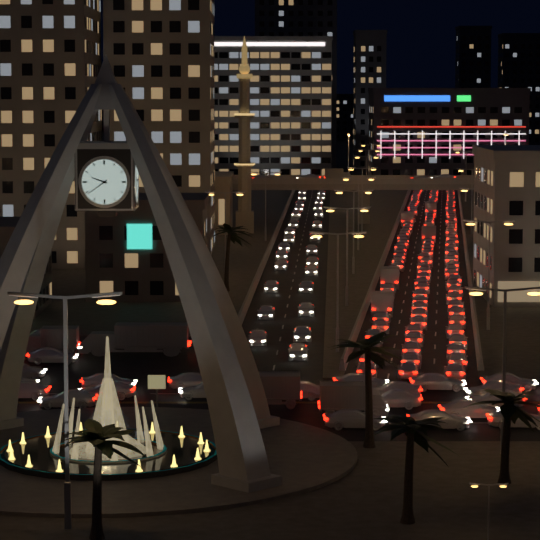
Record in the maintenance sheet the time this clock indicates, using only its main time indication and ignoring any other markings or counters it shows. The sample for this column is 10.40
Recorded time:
9.39
